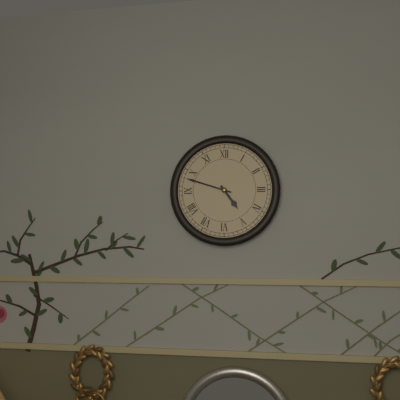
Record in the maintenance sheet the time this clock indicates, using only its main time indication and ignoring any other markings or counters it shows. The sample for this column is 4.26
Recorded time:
4.48
